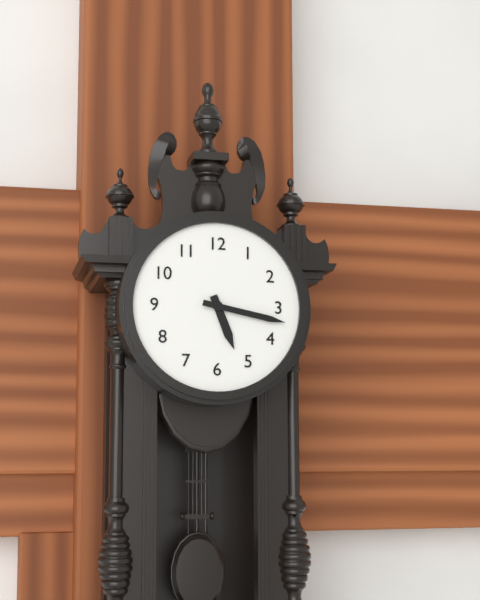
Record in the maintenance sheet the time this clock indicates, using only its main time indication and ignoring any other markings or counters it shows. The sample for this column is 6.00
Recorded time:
5.17
